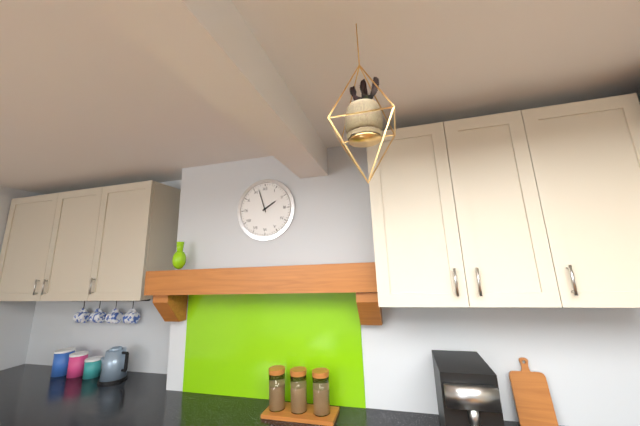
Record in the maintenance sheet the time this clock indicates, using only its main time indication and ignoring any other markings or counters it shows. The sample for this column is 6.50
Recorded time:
1.57
